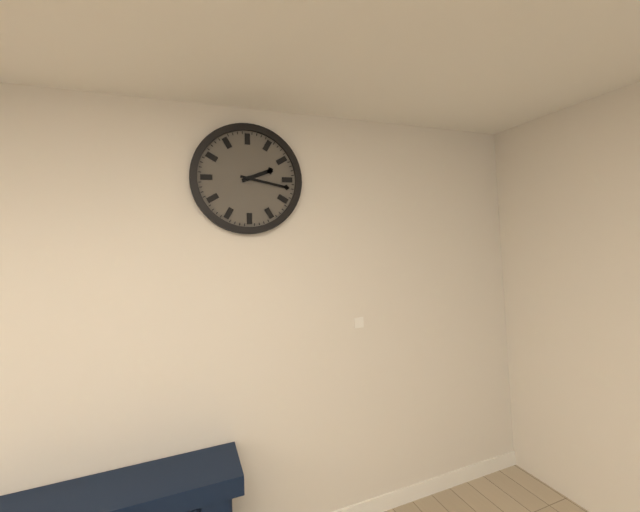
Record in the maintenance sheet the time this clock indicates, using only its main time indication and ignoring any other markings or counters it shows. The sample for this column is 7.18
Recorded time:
2.17
